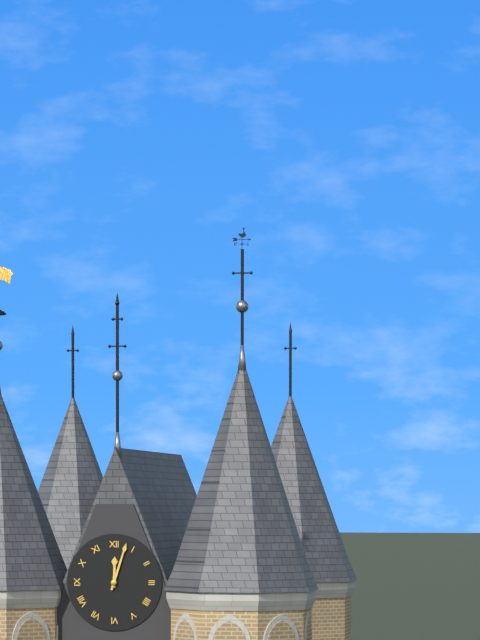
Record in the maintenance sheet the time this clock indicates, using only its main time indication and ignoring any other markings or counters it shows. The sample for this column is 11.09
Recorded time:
12.03
